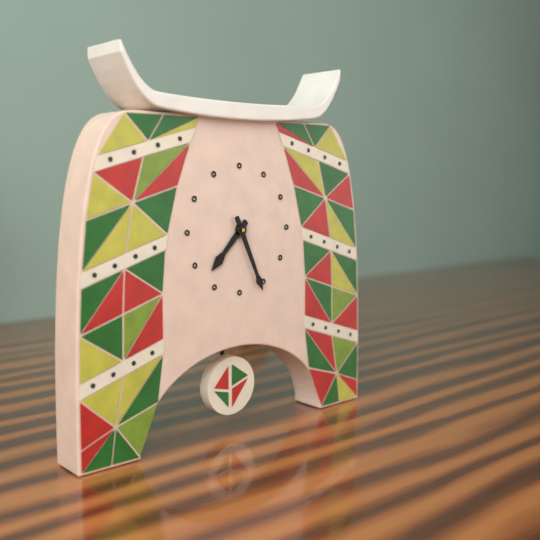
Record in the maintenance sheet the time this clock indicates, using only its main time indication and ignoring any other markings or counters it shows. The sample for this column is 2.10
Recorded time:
7.26
